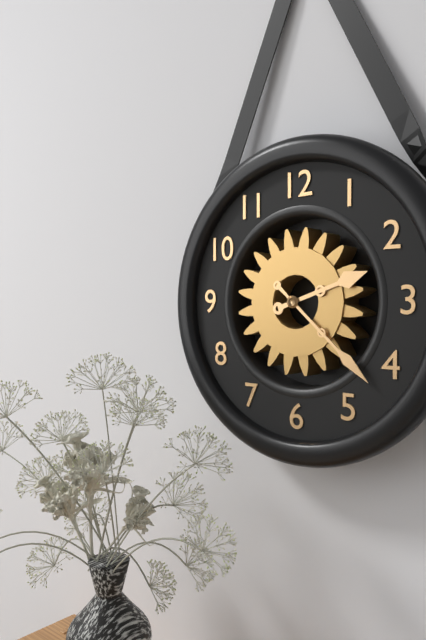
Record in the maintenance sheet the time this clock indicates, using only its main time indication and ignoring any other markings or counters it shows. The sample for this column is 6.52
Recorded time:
2.22
